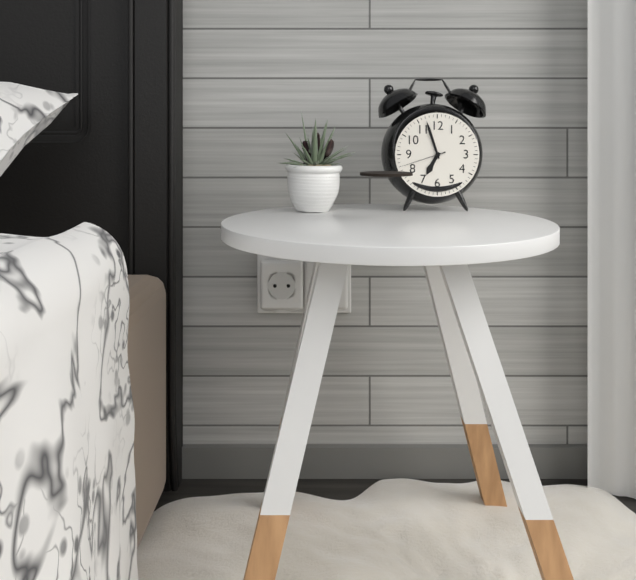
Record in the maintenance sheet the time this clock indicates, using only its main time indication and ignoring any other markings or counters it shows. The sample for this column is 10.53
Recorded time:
6.57
